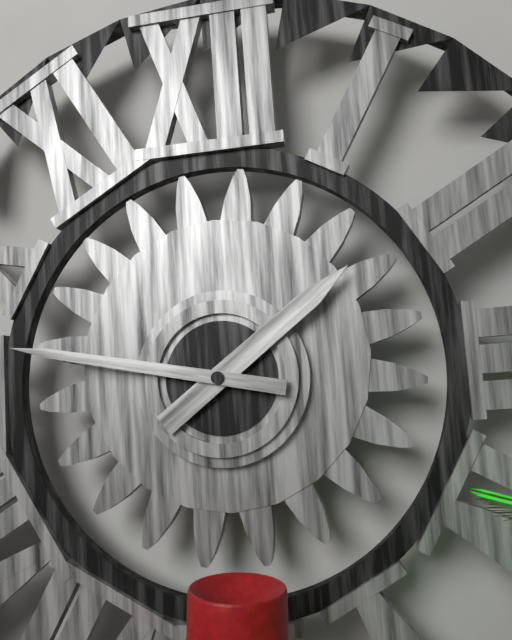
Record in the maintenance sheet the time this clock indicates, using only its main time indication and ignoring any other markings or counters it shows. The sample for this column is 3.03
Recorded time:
1.47
